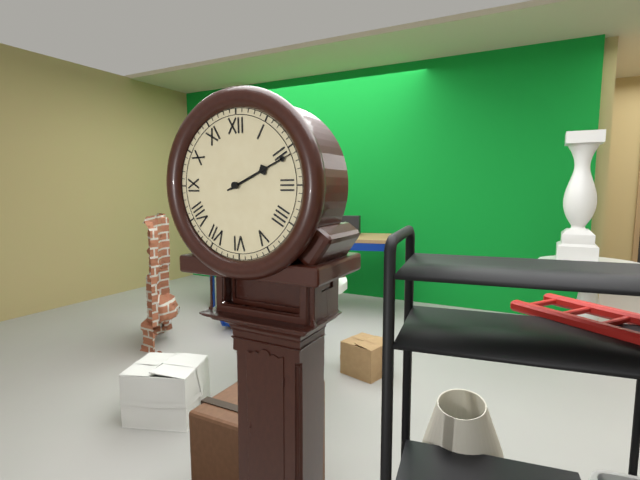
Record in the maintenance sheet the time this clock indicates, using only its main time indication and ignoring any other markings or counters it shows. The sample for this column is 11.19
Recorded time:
2.11
